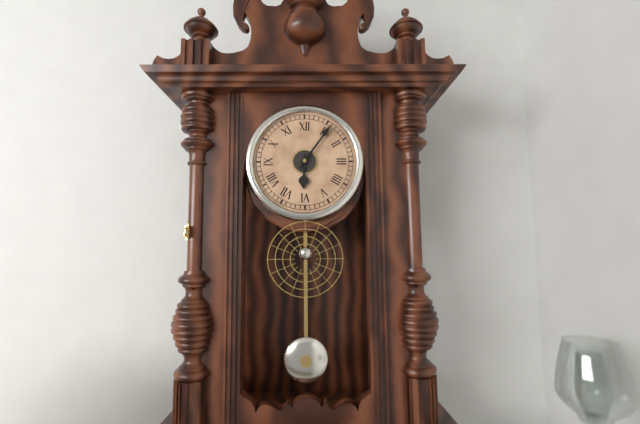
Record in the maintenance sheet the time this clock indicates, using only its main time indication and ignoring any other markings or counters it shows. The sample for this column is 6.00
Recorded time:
6.06
